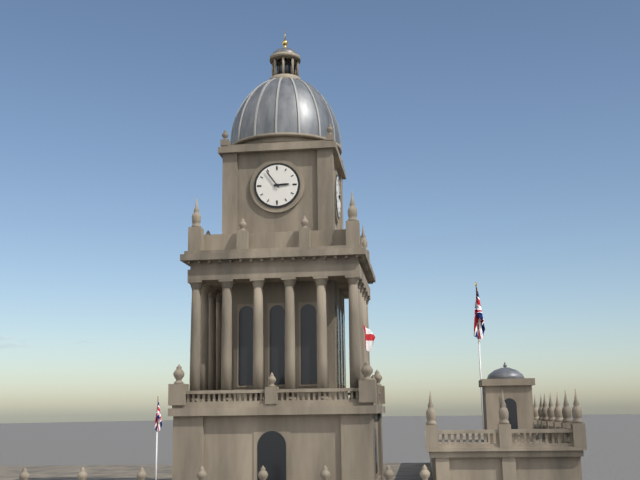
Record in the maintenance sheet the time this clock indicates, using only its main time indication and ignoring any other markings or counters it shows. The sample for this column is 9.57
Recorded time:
2.54
